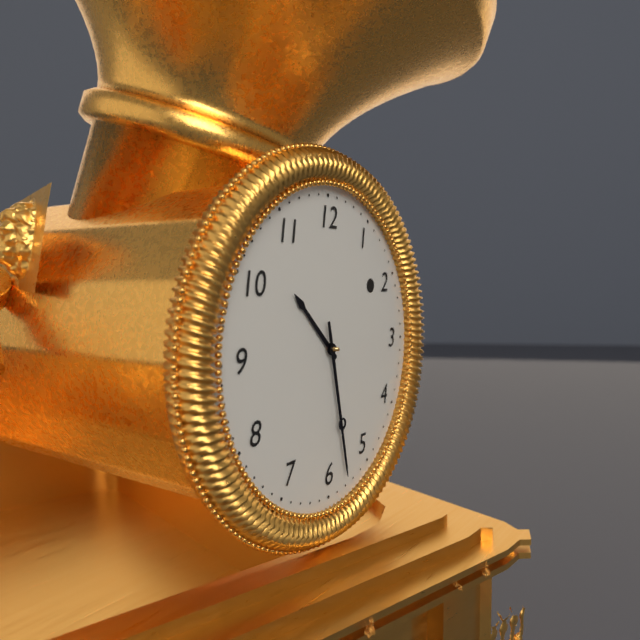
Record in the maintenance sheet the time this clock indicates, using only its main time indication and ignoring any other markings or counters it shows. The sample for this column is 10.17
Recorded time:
10.28
